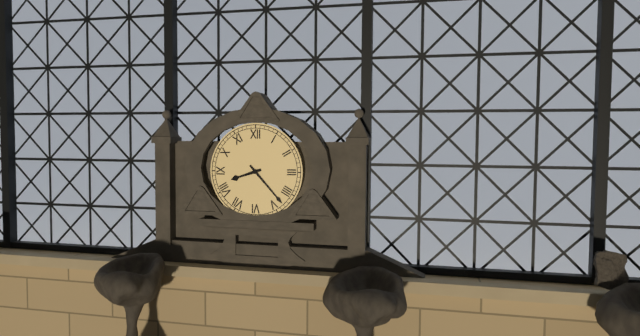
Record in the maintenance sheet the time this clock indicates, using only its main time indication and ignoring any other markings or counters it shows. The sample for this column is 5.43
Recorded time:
8.23
